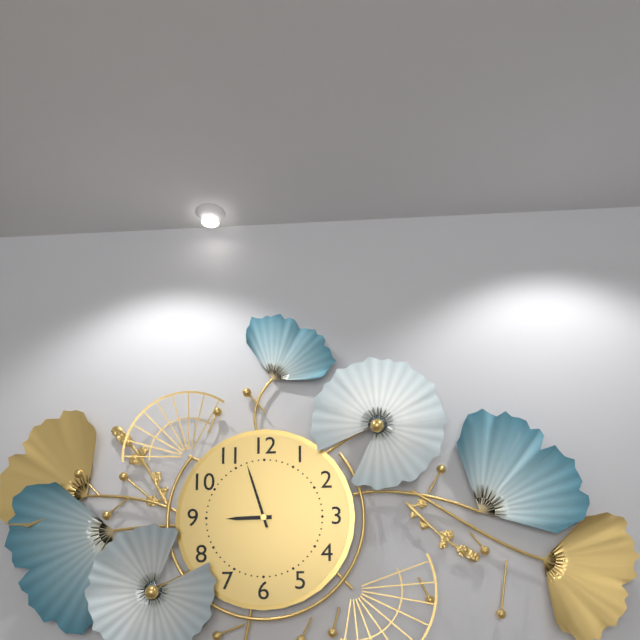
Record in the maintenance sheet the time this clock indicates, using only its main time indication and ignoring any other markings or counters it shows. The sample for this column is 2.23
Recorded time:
8.57
